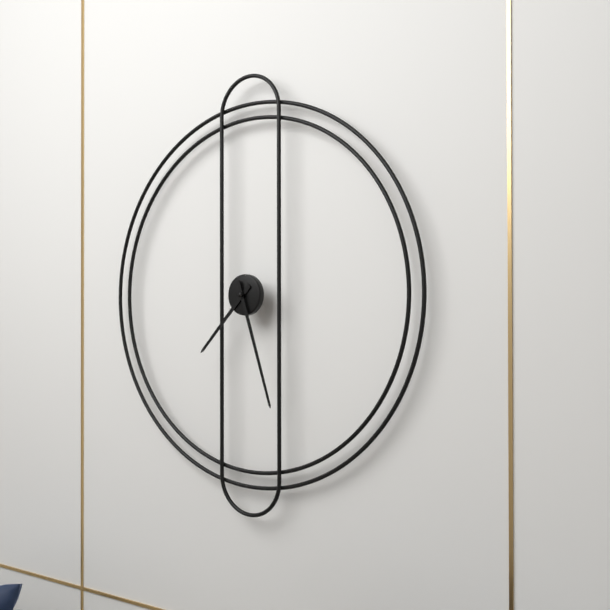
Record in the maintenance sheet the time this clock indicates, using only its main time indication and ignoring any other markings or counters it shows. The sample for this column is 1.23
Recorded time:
7.27
